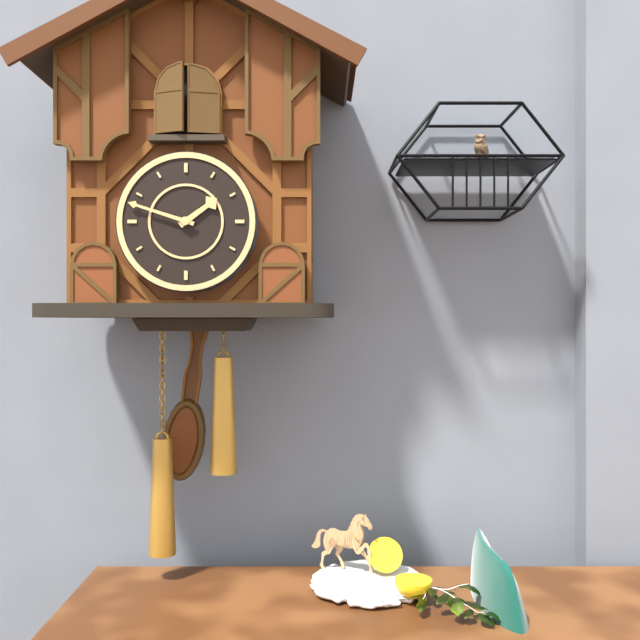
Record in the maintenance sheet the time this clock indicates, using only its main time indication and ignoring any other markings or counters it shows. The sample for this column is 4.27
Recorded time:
1.48
